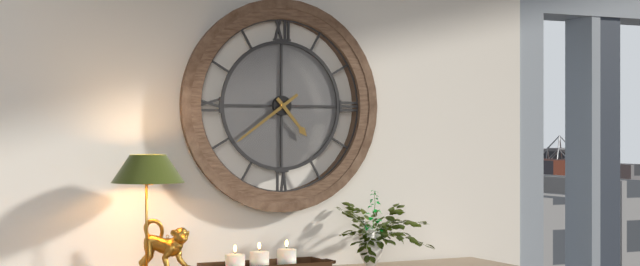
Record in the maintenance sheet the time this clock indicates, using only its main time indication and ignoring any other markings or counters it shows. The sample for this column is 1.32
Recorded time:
4.39
